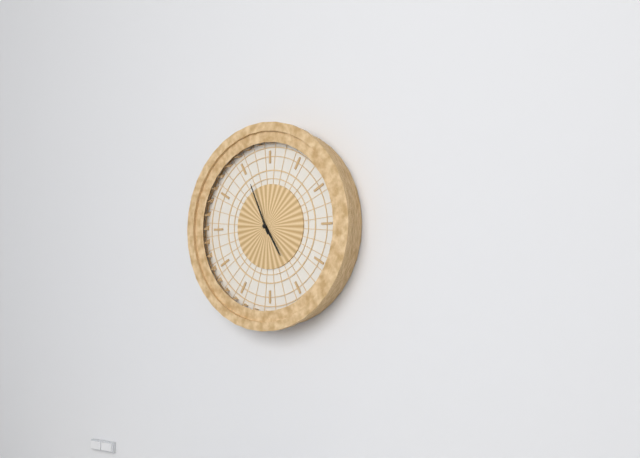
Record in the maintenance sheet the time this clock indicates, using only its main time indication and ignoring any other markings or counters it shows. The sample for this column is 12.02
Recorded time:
4.56
